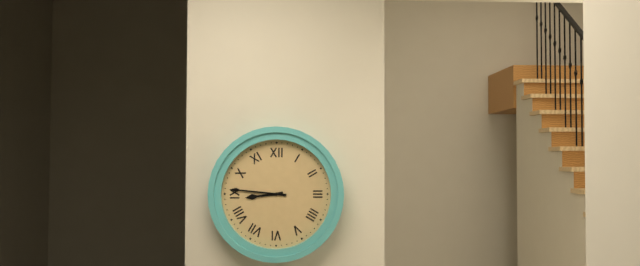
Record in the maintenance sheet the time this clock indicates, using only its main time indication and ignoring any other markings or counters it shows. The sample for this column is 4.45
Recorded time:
8.46
